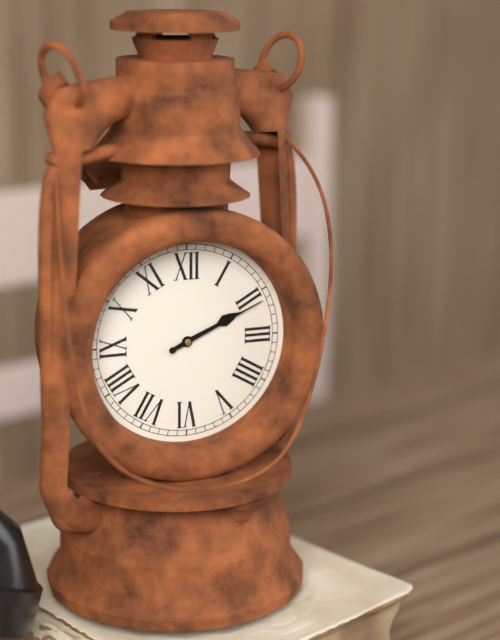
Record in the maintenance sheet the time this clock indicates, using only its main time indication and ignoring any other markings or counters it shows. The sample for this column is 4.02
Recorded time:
2.11
